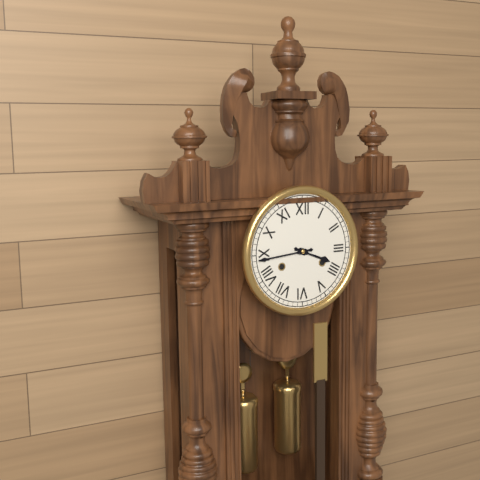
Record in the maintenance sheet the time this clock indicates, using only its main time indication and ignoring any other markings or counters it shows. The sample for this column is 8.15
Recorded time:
3.44
